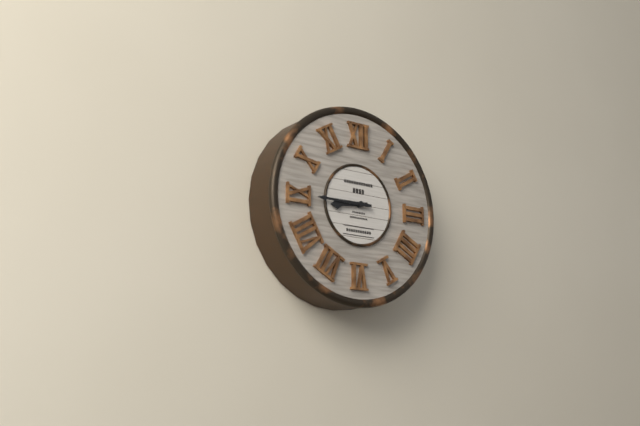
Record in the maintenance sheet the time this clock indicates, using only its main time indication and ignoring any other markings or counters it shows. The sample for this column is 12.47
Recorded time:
8.45
